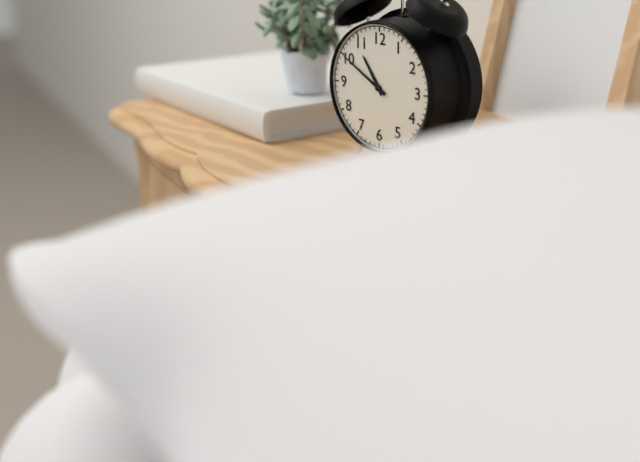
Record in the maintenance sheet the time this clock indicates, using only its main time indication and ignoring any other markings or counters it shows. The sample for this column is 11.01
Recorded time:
10.50
